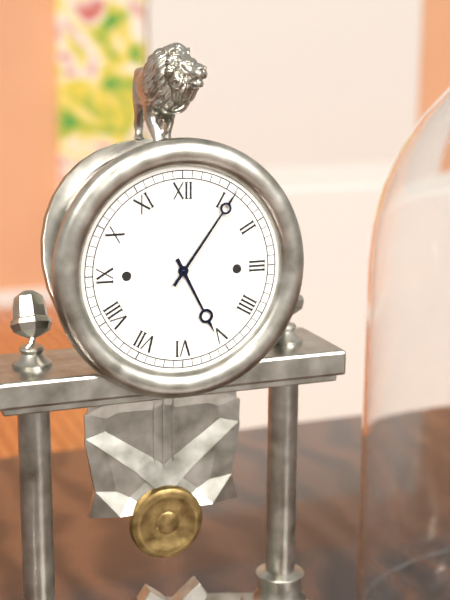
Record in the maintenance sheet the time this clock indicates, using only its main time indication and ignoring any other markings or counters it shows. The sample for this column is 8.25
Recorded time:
5.06
